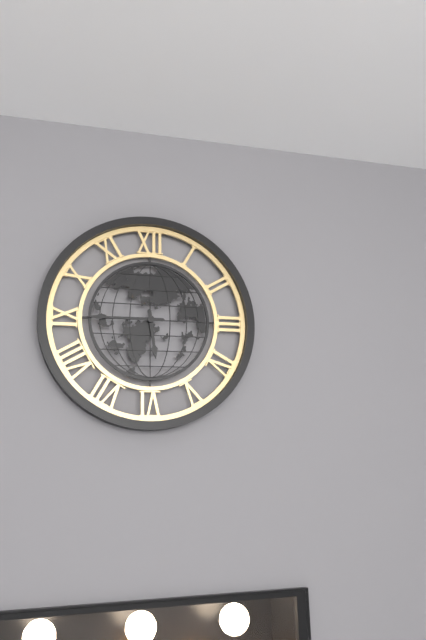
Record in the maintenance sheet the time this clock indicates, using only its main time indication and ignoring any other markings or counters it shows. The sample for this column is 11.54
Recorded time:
5.45
